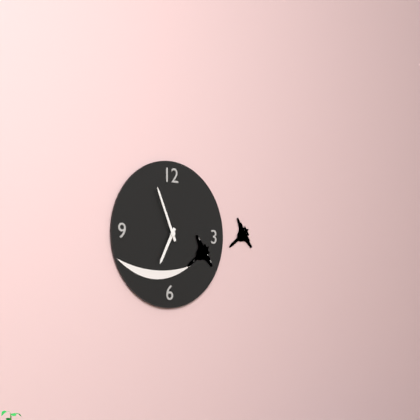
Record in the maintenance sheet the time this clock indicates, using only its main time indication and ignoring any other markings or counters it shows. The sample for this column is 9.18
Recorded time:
6.56
